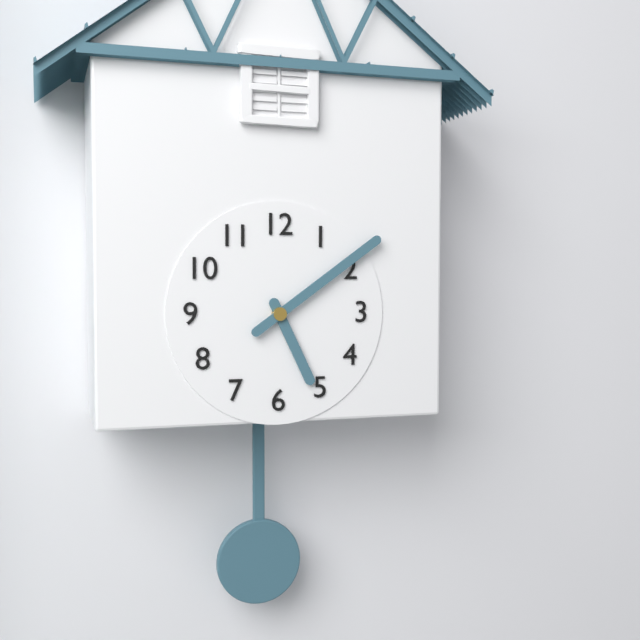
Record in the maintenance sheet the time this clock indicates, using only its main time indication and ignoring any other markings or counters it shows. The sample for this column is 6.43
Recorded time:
5.09
